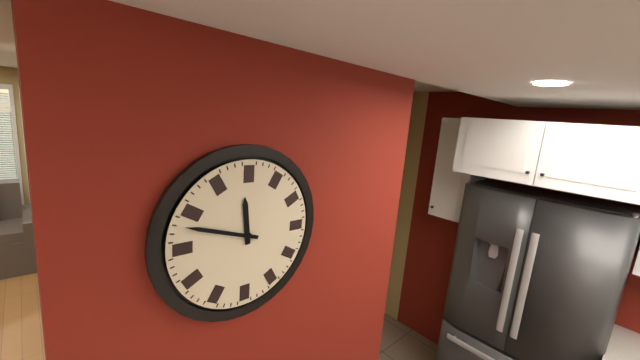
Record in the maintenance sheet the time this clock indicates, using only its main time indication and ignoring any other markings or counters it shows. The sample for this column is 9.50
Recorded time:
11.48
